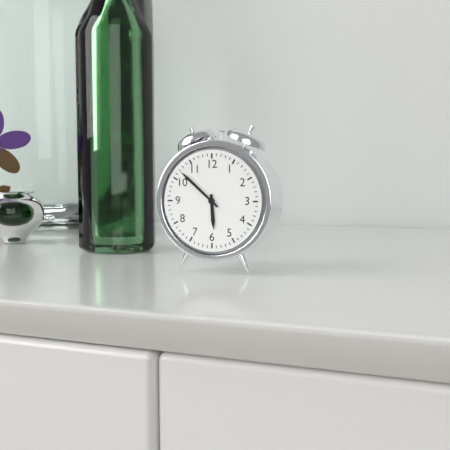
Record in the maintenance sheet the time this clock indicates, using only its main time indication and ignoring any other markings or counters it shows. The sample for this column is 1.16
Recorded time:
5.52
